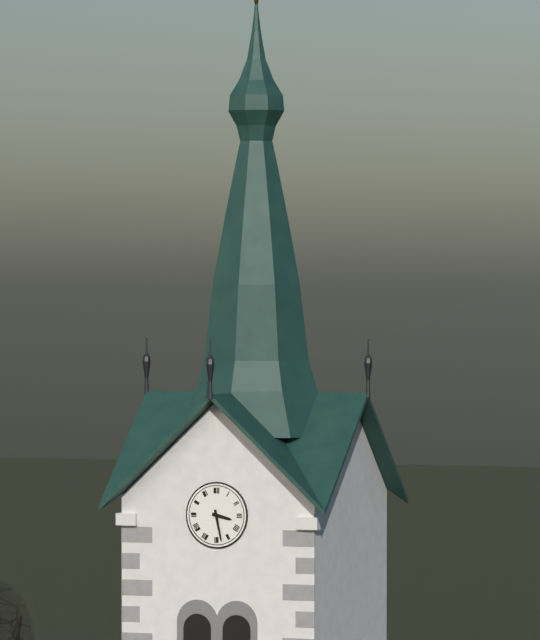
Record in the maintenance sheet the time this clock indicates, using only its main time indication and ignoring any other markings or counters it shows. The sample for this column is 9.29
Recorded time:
3.28
